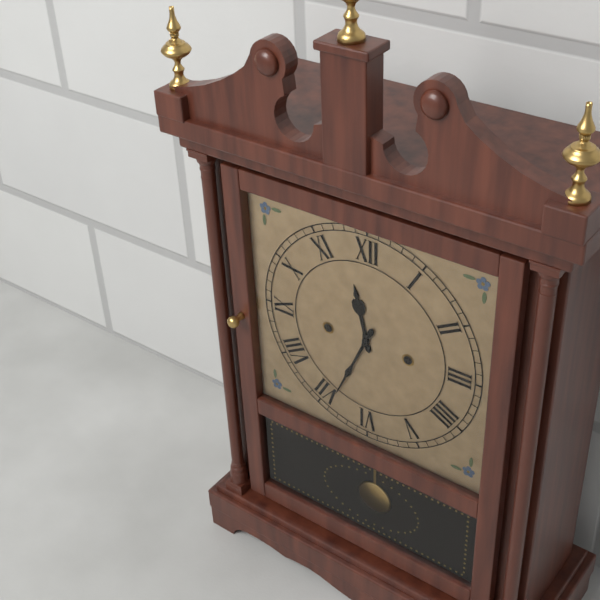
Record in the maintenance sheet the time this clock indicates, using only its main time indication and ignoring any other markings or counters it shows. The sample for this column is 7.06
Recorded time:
11.34
